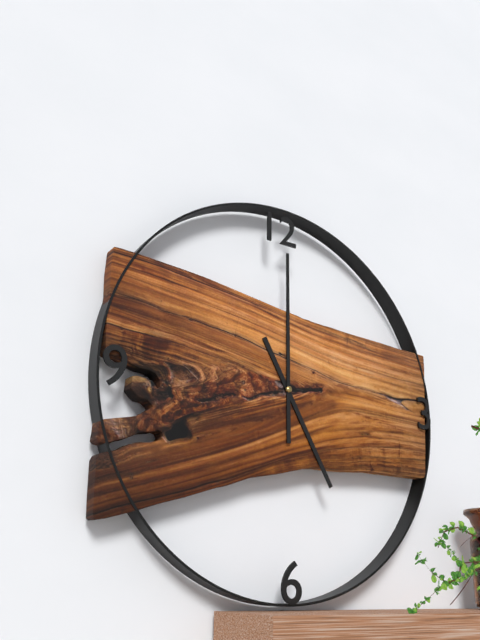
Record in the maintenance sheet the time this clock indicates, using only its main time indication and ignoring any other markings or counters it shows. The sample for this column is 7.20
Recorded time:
5.00
